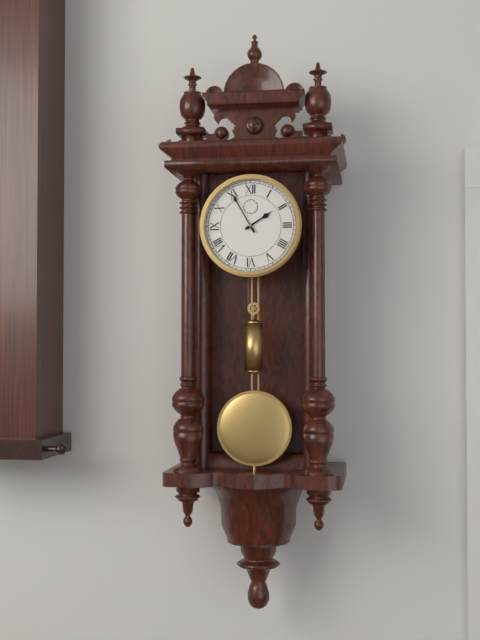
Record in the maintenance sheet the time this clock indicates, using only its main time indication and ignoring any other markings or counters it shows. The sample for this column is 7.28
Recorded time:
1.55
